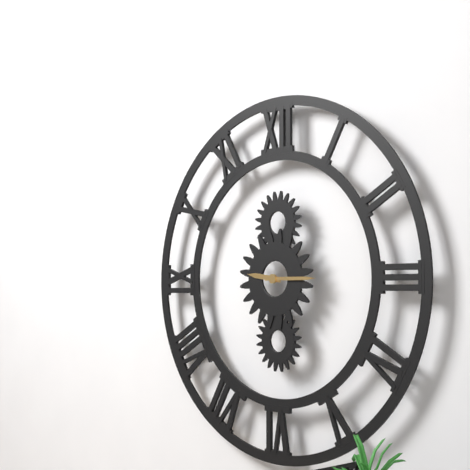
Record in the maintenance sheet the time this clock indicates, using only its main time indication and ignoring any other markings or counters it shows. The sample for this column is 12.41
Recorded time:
9.15
